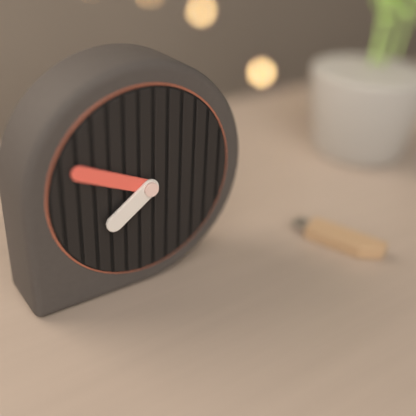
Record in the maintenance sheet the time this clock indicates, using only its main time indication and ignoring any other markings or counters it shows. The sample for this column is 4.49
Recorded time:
7.49
